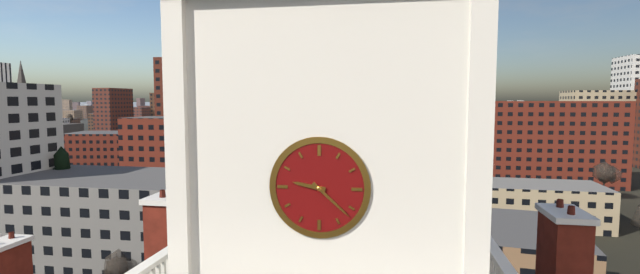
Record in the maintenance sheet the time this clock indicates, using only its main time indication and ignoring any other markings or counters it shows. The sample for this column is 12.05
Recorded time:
9.22
